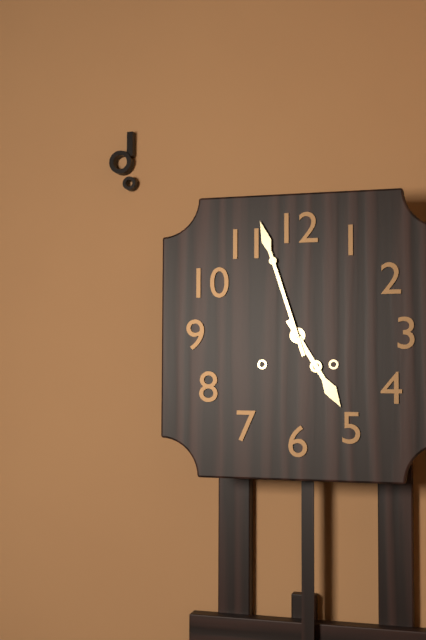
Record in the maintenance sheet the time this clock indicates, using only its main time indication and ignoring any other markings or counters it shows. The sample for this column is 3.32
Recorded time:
4.57
